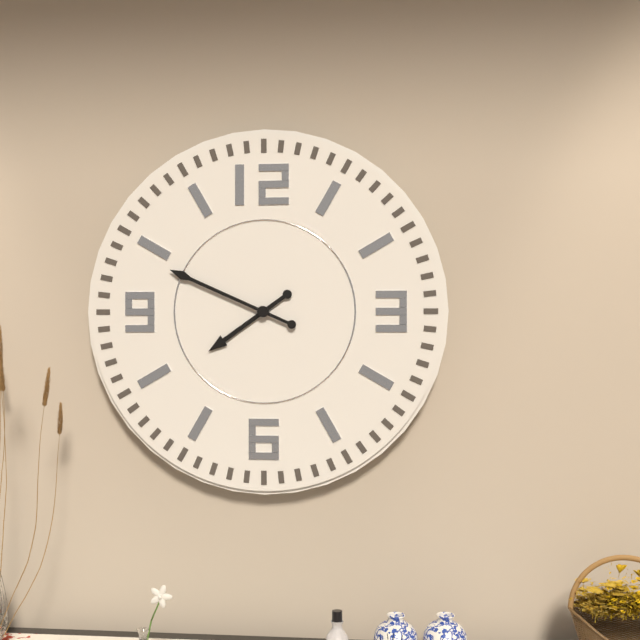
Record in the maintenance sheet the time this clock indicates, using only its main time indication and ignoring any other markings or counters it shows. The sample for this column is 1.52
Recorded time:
7.49
